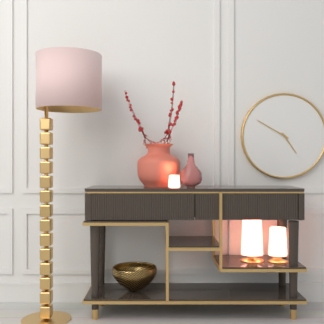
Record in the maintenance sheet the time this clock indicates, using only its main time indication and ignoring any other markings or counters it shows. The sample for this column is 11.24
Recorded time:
4.50
